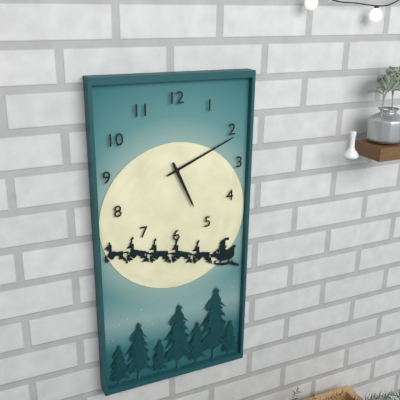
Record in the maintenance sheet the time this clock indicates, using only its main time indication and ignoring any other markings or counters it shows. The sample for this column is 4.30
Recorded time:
5.11
